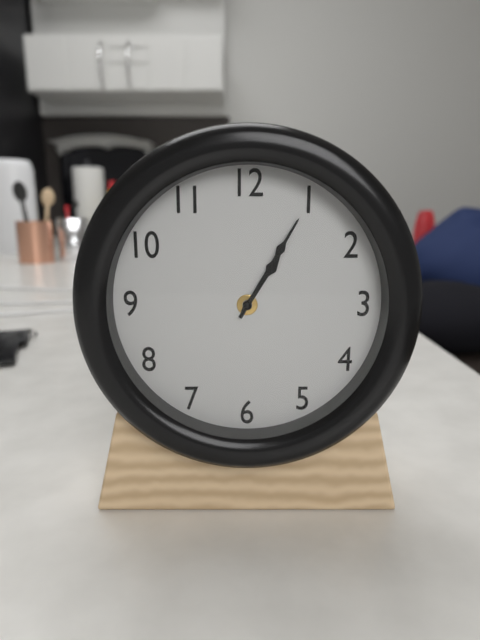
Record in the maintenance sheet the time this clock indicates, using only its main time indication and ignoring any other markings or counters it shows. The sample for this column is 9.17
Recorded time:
1.05
